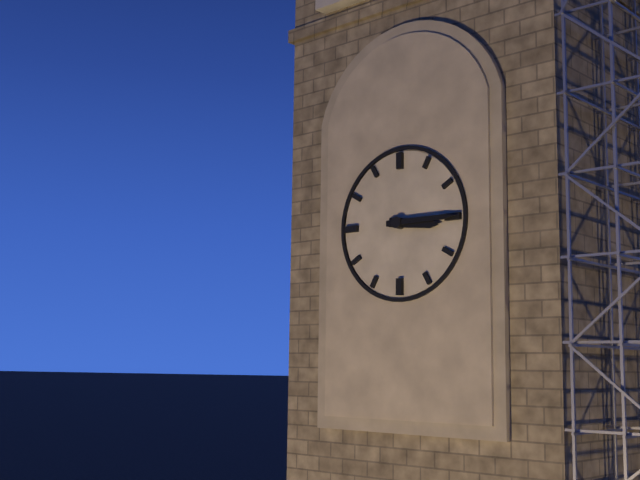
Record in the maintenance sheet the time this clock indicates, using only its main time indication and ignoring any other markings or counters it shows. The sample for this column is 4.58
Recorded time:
3.15
